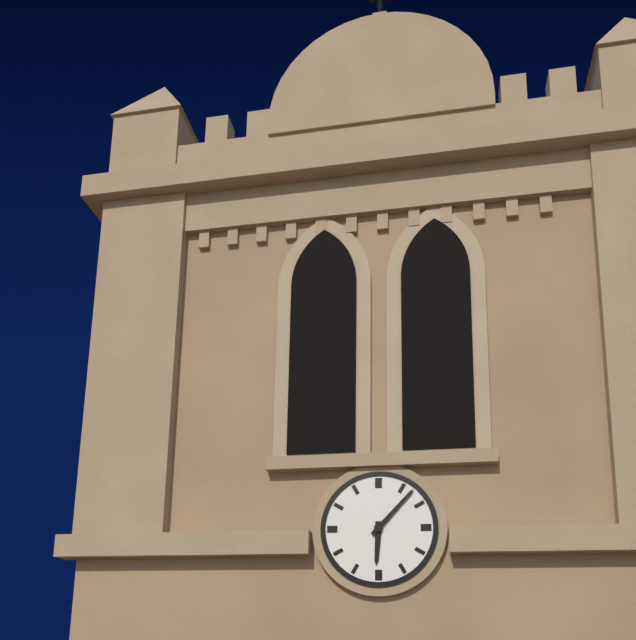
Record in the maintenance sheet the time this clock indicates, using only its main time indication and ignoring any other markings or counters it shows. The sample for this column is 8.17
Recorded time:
6.07
